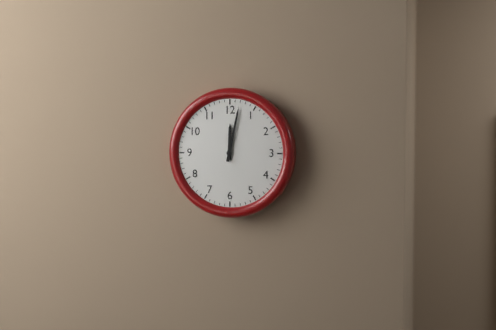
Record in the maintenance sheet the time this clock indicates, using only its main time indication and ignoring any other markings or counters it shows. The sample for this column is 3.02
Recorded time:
12.02
